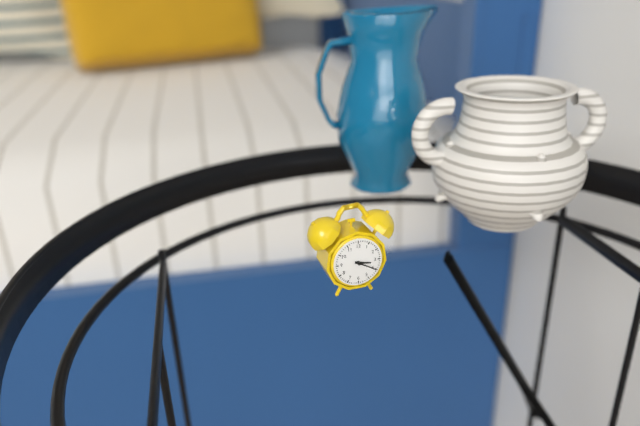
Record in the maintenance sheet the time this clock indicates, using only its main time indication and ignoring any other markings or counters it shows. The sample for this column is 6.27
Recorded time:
3.20
